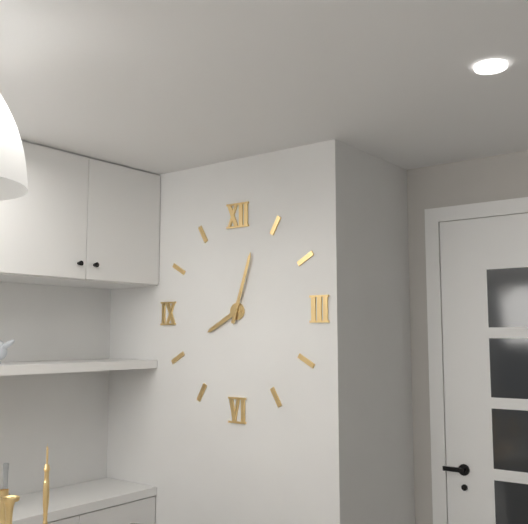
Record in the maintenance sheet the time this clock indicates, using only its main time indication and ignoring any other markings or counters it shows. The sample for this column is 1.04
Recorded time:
8.03
